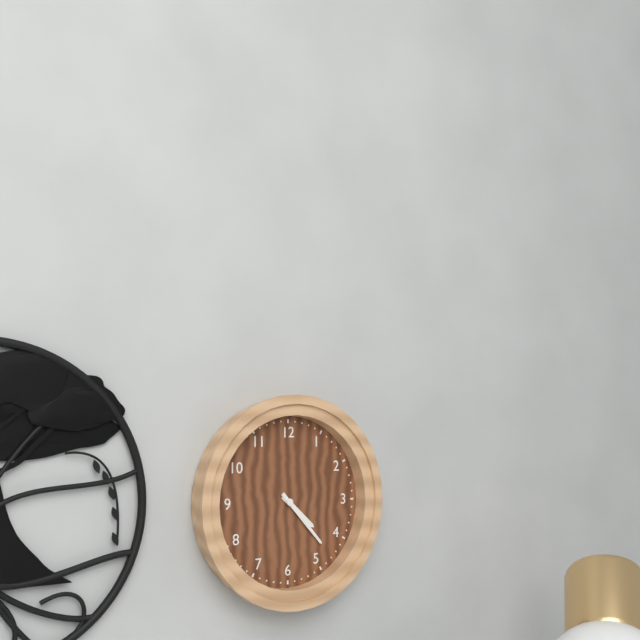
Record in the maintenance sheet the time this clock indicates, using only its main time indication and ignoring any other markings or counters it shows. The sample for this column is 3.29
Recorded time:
4.23
